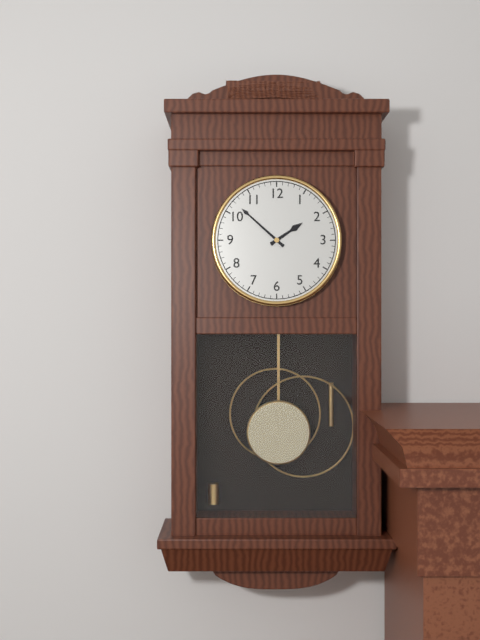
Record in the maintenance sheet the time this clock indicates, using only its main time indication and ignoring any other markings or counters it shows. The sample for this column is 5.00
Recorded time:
1.52
